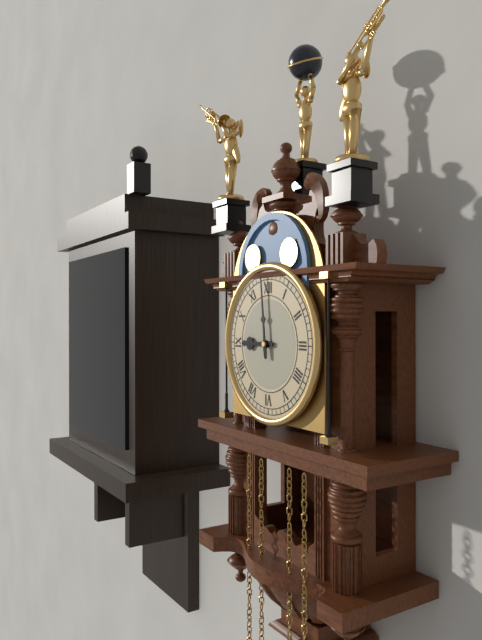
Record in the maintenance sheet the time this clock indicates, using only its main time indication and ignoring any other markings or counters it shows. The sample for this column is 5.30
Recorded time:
8.59
